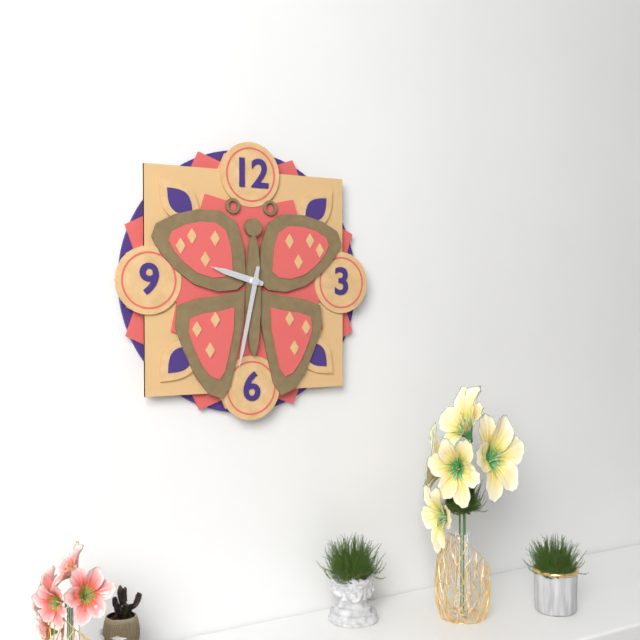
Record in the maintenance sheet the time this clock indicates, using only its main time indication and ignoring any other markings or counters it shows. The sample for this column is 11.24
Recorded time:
9.32
